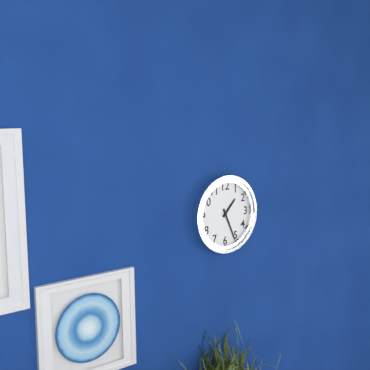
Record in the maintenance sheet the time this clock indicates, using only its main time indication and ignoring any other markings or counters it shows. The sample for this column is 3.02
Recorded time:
1.26
